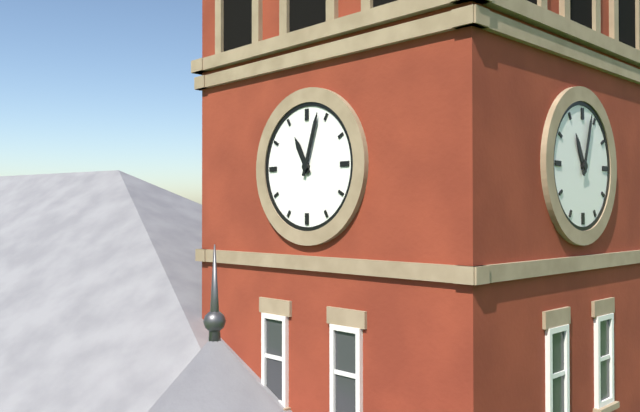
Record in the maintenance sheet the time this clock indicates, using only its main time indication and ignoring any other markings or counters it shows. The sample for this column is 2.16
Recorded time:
11.03
